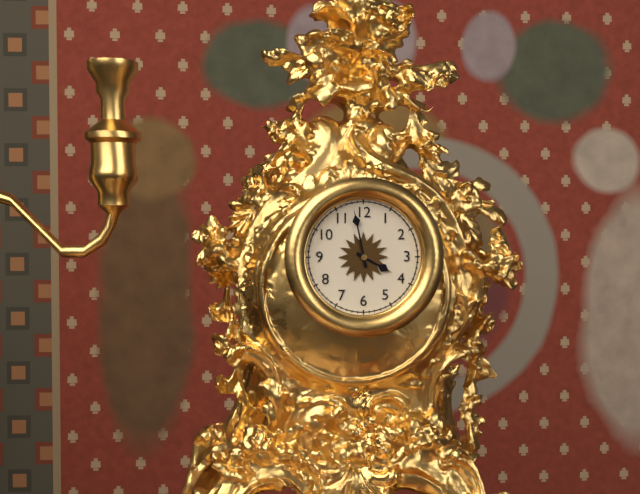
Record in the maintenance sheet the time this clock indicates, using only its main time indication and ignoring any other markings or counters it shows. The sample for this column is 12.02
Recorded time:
3.58
